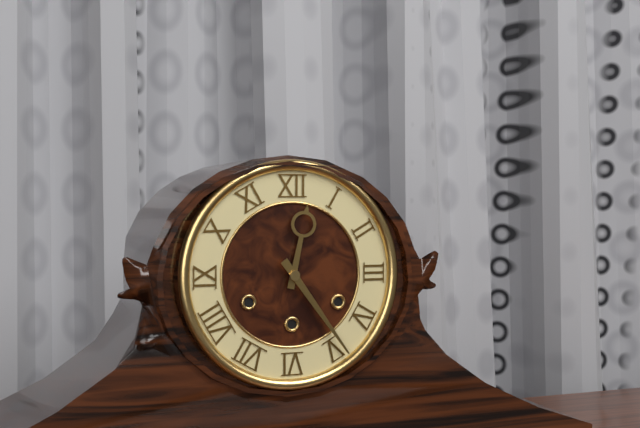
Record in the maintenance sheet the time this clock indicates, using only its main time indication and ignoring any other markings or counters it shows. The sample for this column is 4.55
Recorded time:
12.24
